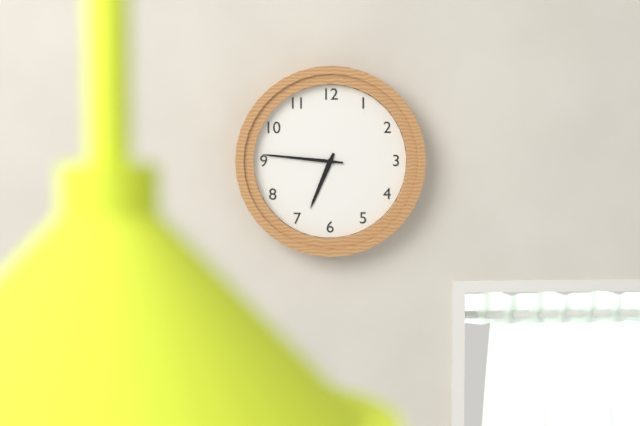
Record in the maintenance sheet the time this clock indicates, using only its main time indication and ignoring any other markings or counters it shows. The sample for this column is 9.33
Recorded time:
6.46
